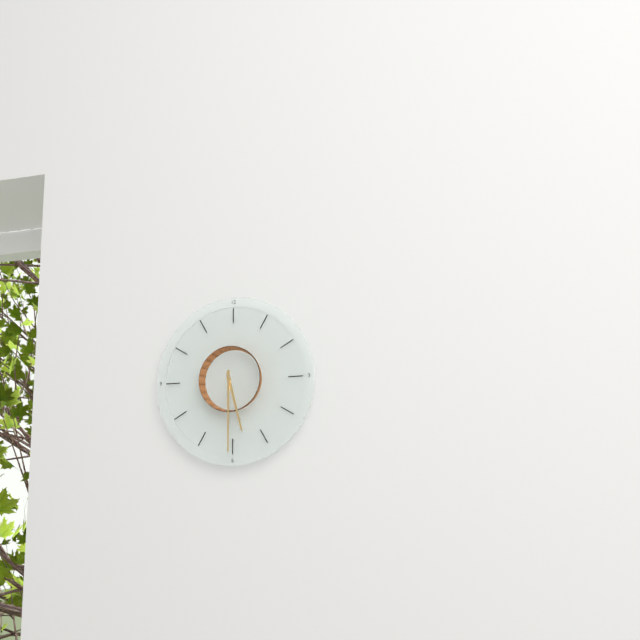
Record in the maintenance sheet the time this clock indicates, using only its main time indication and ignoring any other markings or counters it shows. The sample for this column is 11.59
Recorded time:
5.30
